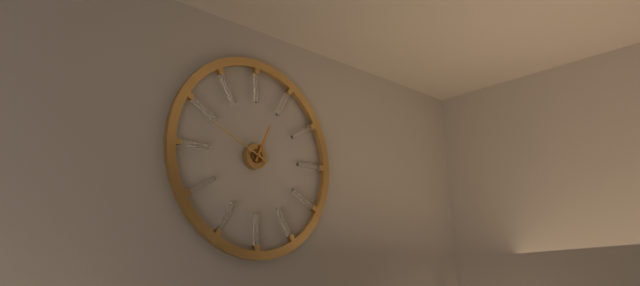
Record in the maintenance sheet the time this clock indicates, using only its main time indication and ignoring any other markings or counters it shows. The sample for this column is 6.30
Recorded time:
12.49
